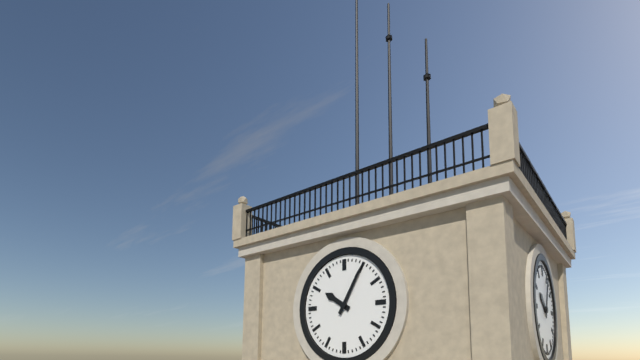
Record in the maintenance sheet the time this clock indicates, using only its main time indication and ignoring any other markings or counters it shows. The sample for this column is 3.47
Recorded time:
10.05
